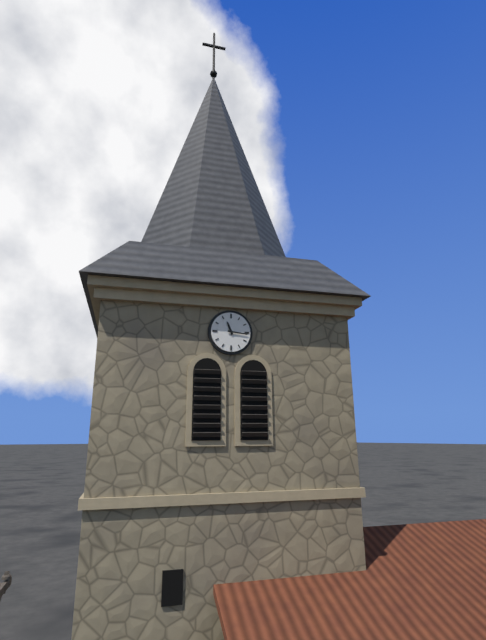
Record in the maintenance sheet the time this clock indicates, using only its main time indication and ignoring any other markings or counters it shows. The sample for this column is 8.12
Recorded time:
11.16
